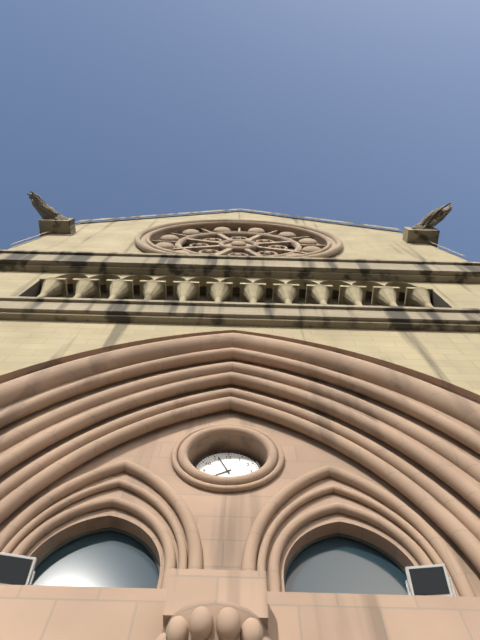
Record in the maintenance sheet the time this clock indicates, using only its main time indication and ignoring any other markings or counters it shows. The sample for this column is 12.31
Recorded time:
7.56
